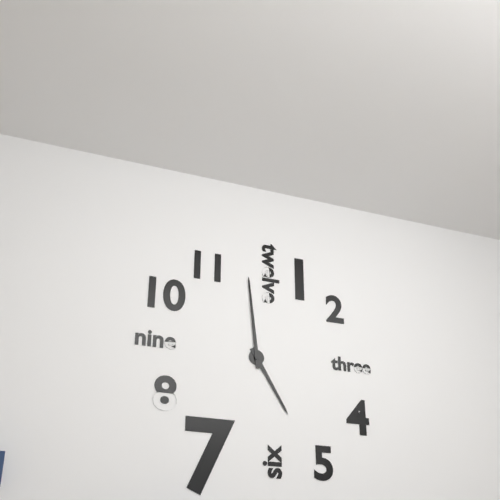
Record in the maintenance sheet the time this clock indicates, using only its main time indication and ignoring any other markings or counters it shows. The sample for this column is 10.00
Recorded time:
4.59
